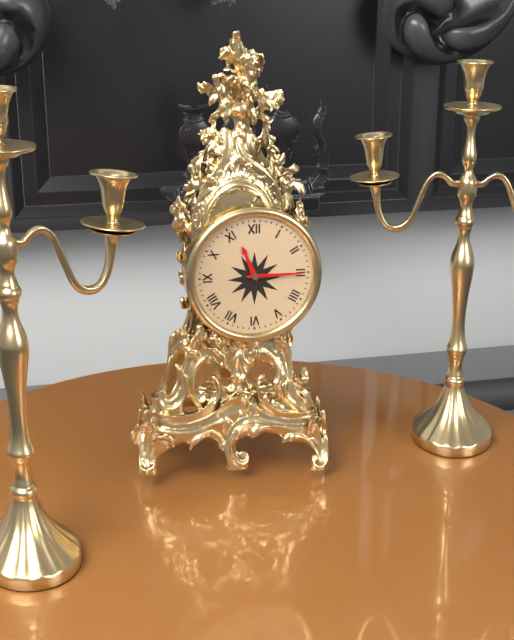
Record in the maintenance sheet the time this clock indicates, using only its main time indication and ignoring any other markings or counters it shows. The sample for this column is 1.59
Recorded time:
11.15
